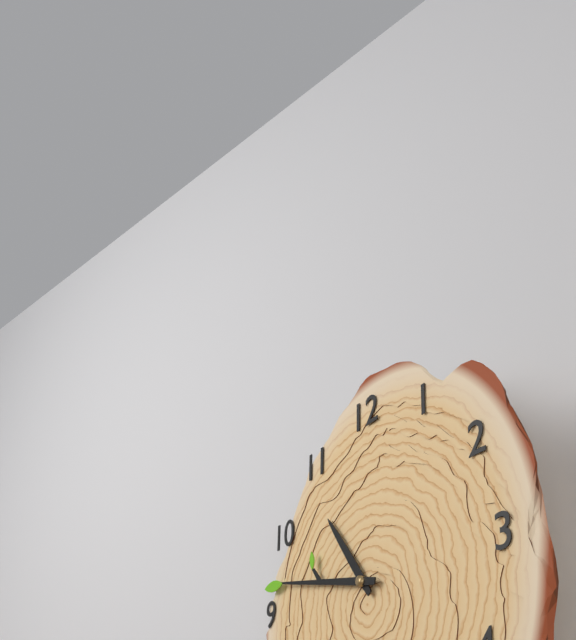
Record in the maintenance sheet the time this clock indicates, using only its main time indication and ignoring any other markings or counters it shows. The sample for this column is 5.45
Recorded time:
10.47
